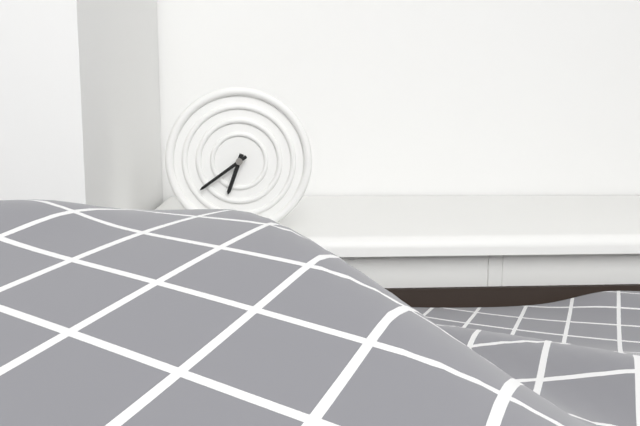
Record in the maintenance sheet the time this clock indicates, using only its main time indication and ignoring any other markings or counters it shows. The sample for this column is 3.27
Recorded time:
6.39
